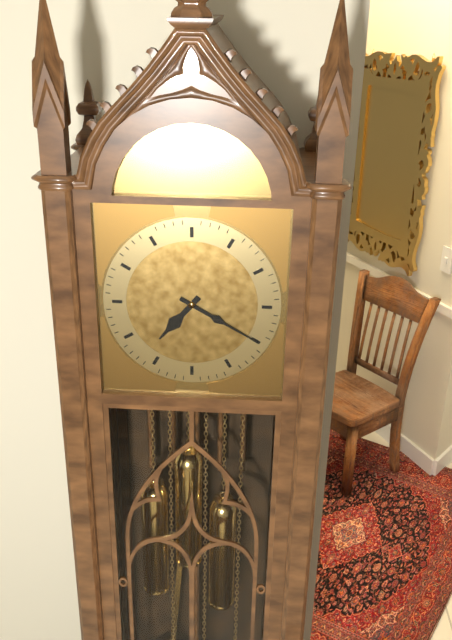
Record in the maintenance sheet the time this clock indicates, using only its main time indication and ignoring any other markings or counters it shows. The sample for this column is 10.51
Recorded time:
7.20
